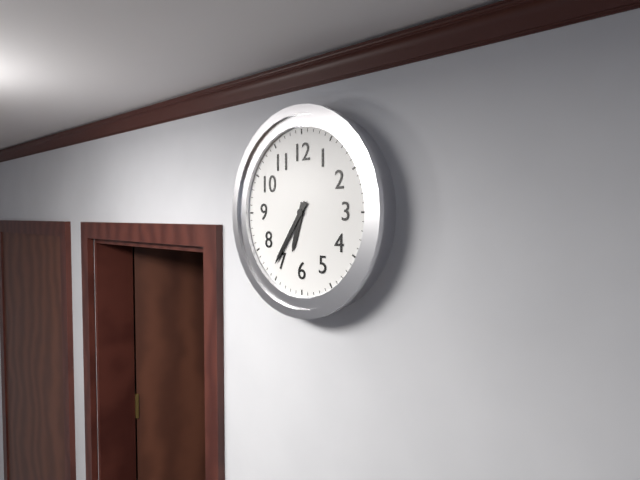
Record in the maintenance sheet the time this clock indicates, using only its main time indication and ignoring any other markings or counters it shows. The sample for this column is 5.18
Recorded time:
6.36
